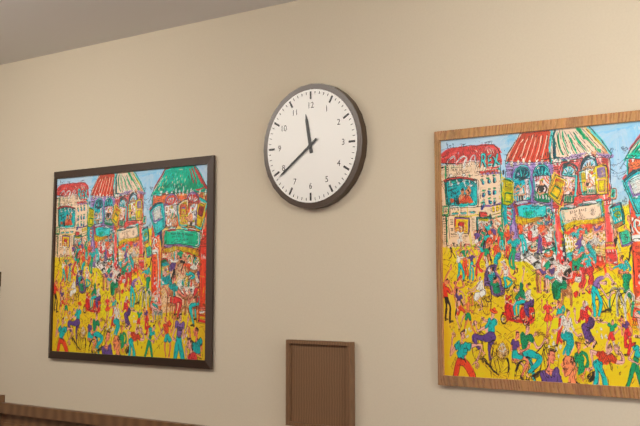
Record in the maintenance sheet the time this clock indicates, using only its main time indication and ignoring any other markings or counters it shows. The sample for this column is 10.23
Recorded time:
11.39
